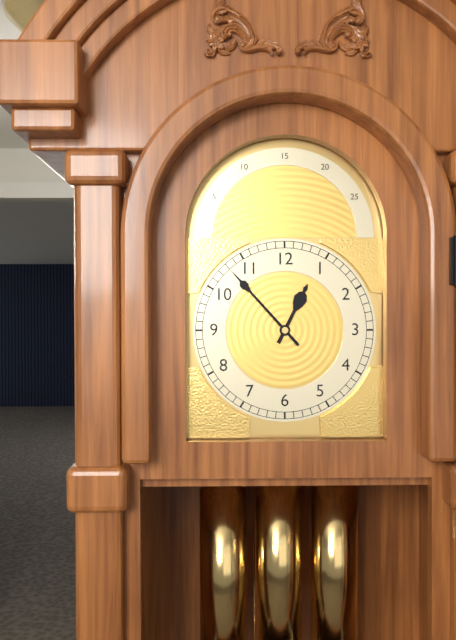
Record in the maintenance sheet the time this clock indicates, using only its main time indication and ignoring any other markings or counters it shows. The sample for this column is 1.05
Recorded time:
12.53
